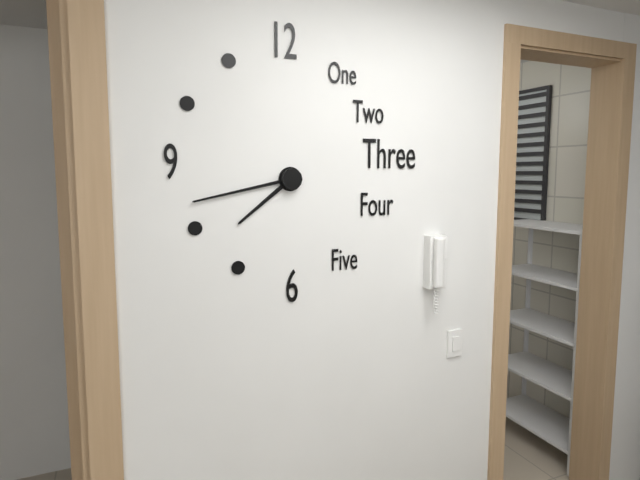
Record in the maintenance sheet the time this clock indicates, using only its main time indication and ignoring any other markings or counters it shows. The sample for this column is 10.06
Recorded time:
7.43
